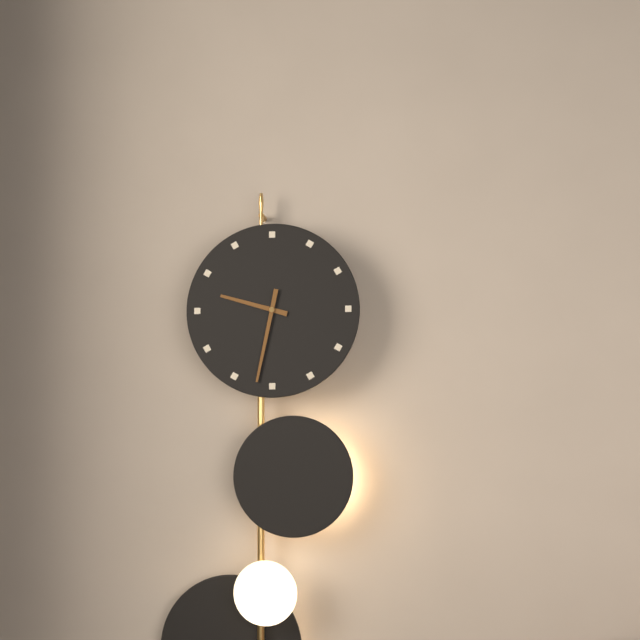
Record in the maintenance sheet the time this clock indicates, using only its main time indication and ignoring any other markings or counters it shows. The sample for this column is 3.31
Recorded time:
9.32
